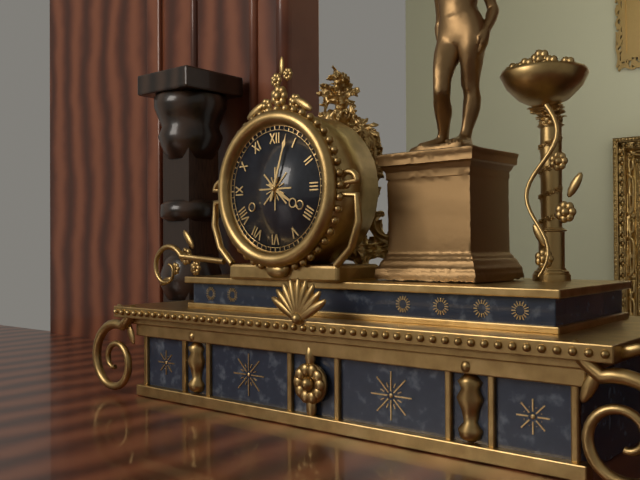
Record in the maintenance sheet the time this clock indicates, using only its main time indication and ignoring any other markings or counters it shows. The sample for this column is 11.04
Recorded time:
4.03
